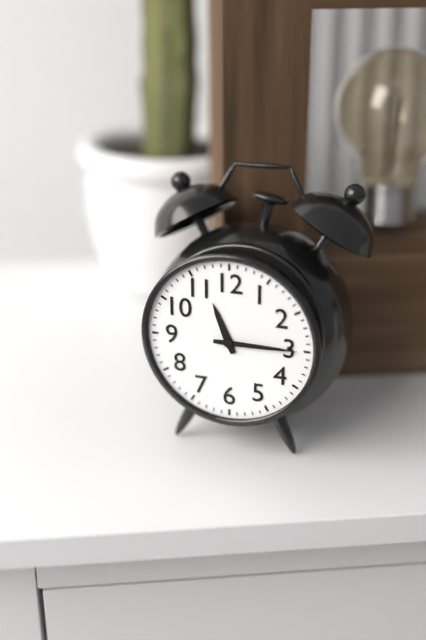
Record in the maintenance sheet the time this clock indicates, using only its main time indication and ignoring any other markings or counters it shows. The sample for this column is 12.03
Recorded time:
11.15
